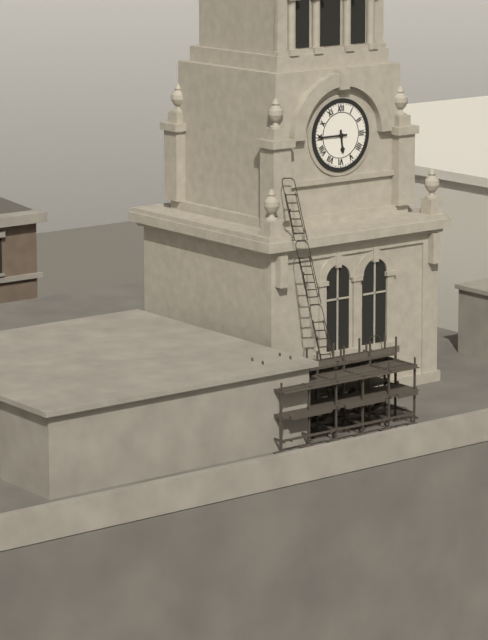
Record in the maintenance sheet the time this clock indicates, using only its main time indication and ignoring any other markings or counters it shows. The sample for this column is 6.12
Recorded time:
5.45
